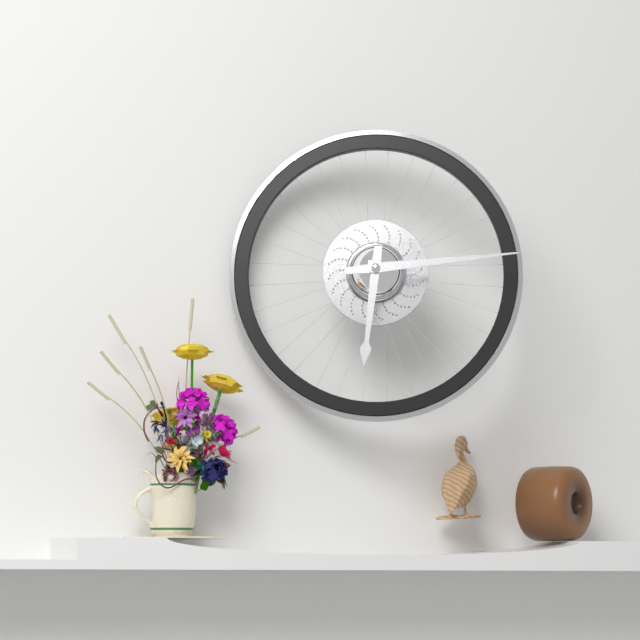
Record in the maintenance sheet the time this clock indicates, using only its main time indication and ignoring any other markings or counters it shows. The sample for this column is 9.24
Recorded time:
6.14
